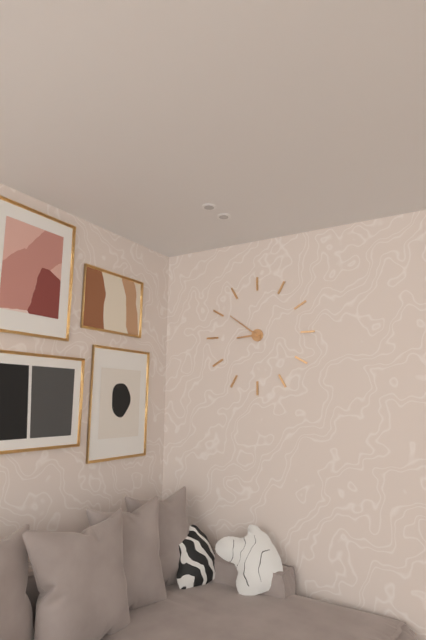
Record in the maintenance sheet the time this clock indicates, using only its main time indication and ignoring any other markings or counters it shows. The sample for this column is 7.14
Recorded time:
8.51
